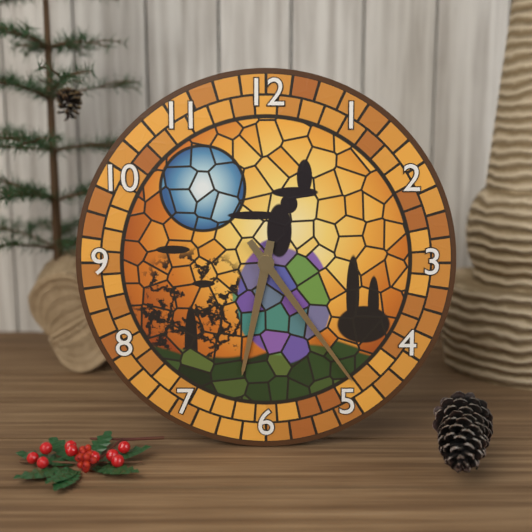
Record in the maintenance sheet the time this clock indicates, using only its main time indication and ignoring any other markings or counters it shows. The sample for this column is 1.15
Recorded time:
6.24
